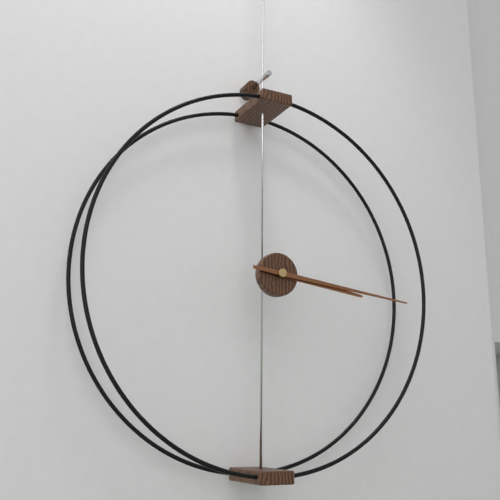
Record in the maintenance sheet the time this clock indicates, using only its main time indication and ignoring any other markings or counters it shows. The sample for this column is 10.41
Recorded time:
3.16
